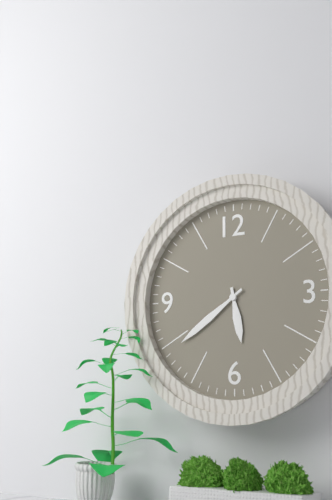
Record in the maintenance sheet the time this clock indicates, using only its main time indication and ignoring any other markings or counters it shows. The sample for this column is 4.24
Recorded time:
5.39
